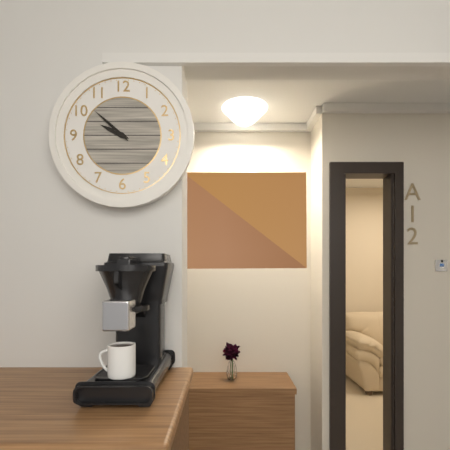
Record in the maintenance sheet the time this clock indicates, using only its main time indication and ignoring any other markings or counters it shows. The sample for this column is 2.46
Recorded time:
9.52
